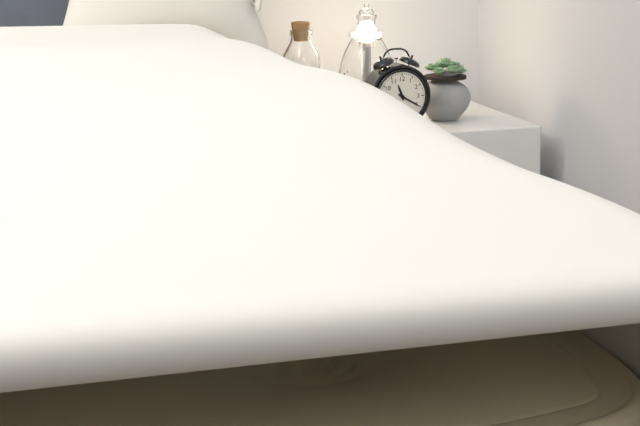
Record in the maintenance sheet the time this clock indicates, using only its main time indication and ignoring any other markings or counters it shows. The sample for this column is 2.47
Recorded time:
11.20
